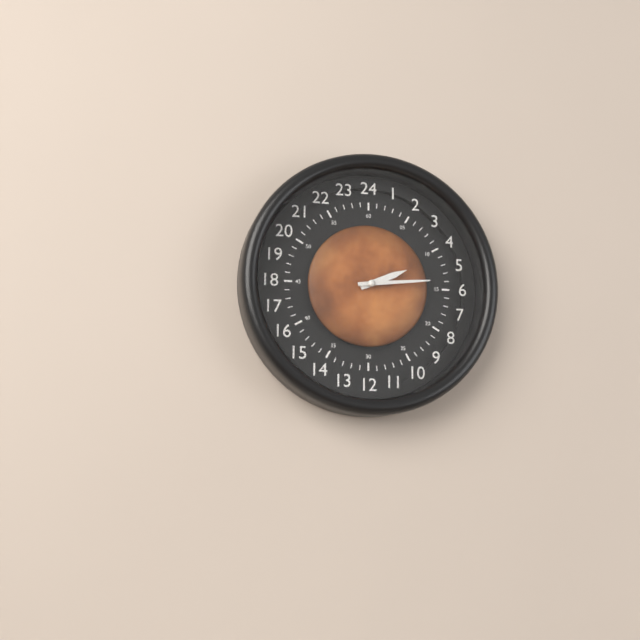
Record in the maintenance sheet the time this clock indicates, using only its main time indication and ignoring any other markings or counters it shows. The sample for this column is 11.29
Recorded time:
2.14
